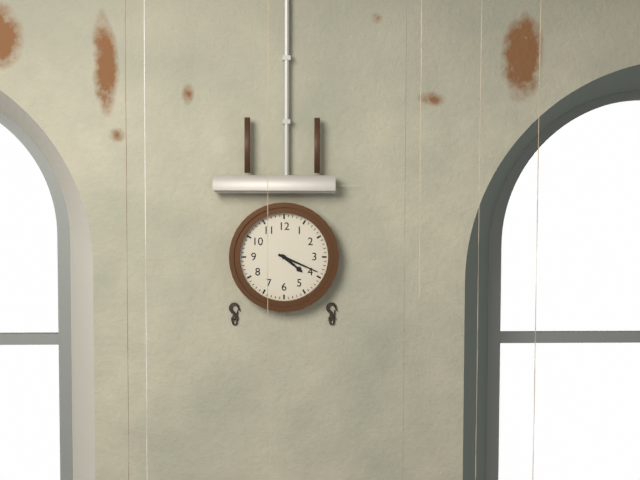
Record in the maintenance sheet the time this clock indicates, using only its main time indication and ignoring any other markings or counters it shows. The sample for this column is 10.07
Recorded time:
4.19
